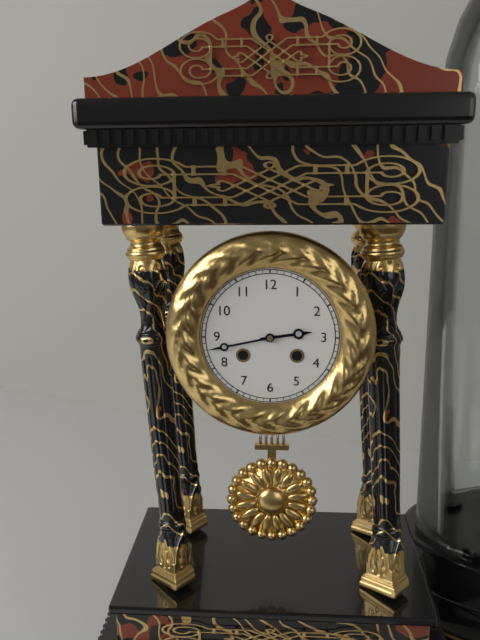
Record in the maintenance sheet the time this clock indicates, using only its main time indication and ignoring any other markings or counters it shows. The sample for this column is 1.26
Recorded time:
2.43
